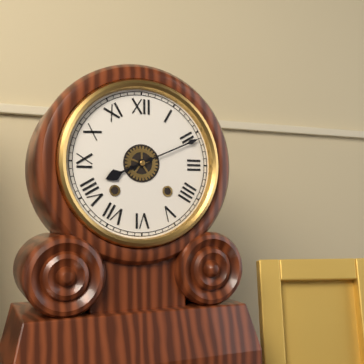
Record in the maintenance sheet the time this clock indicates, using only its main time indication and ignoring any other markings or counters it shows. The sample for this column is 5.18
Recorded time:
8.11
